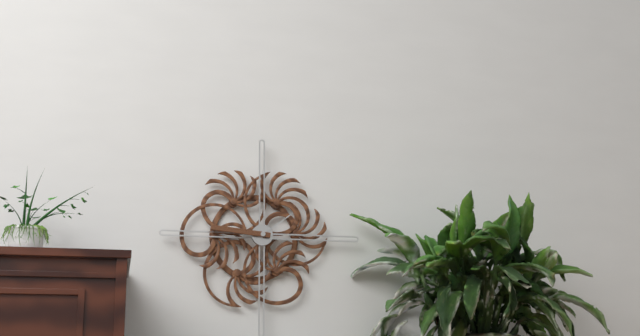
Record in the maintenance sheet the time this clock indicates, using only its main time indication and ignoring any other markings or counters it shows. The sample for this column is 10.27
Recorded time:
1.46
